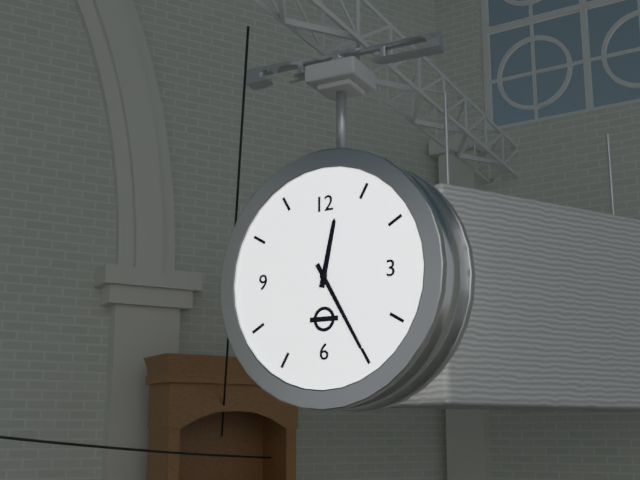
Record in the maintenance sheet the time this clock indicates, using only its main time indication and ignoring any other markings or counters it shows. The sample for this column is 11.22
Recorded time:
12.25
